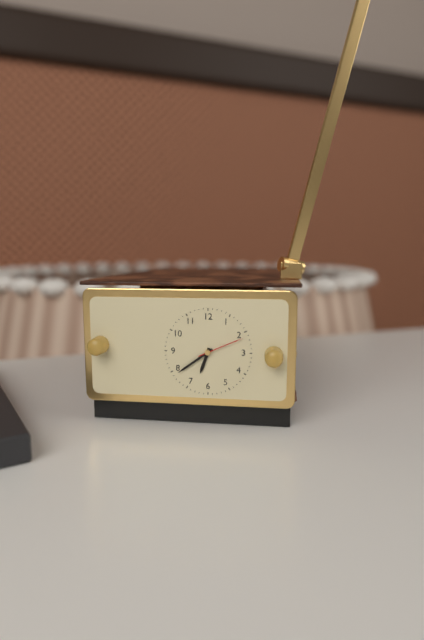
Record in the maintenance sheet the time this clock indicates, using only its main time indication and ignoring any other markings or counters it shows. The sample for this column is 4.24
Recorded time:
6.39
